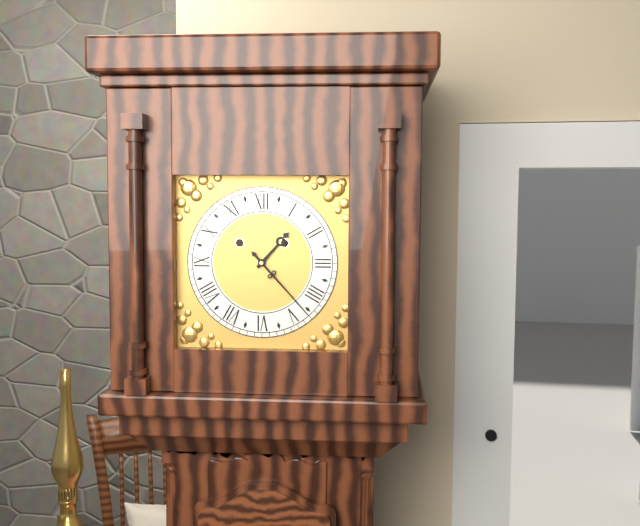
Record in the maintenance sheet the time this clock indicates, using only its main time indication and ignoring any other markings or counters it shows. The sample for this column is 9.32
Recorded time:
1.23
